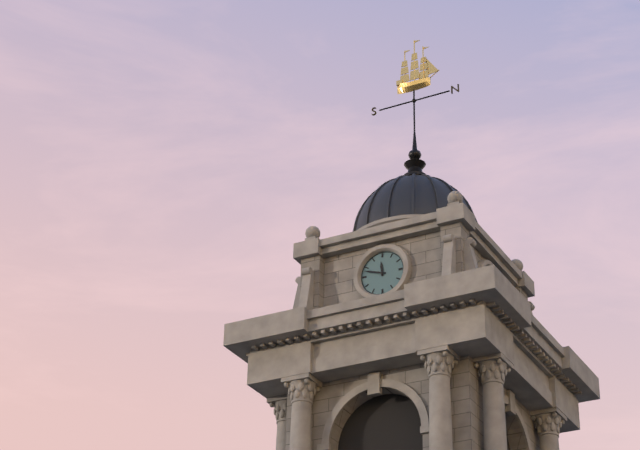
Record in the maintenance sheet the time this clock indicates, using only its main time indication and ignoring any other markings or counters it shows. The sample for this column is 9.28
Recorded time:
11.48
